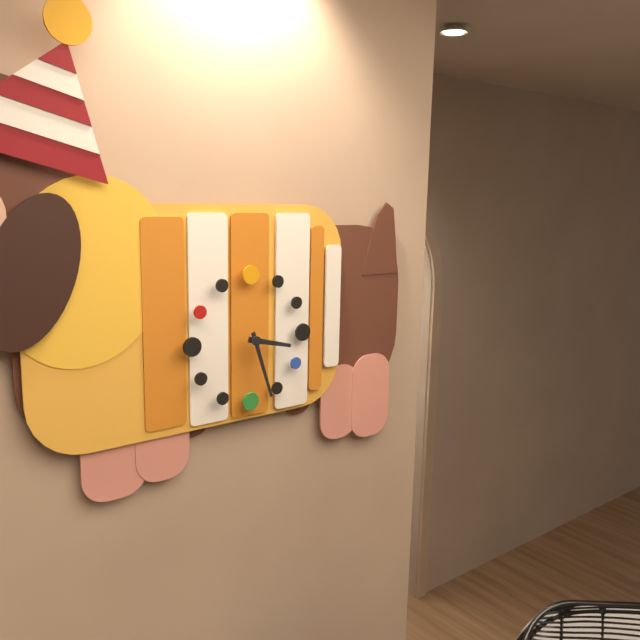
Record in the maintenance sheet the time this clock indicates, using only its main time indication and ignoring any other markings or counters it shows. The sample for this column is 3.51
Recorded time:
3.27
